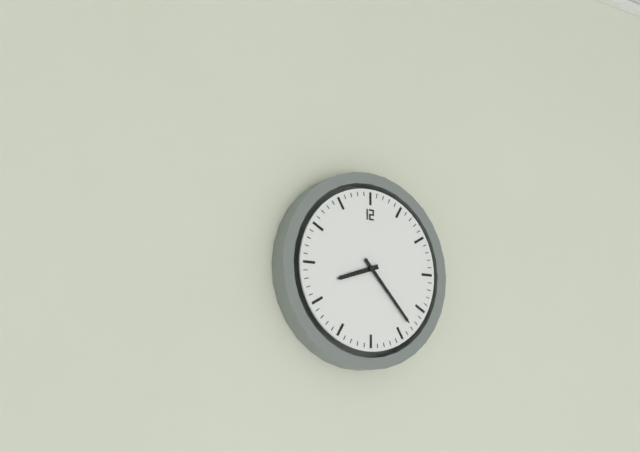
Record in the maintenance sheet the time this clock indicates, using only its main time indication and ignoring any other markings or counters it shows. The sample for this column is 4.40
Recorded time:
8.23
